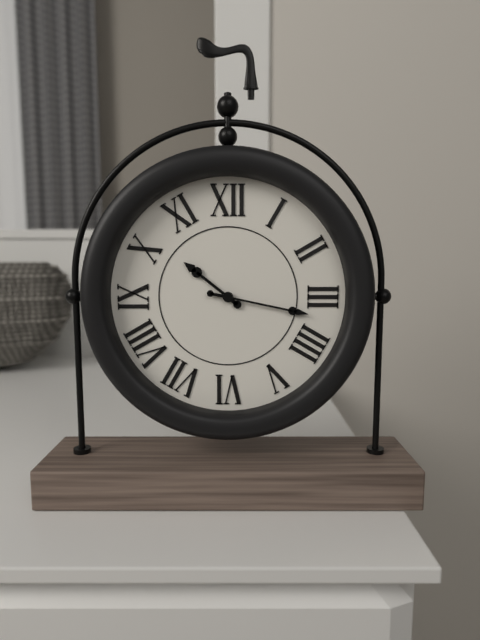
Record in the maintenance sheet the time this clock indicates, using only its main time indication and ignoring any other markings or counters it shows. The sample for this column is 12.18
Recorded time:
10.17
